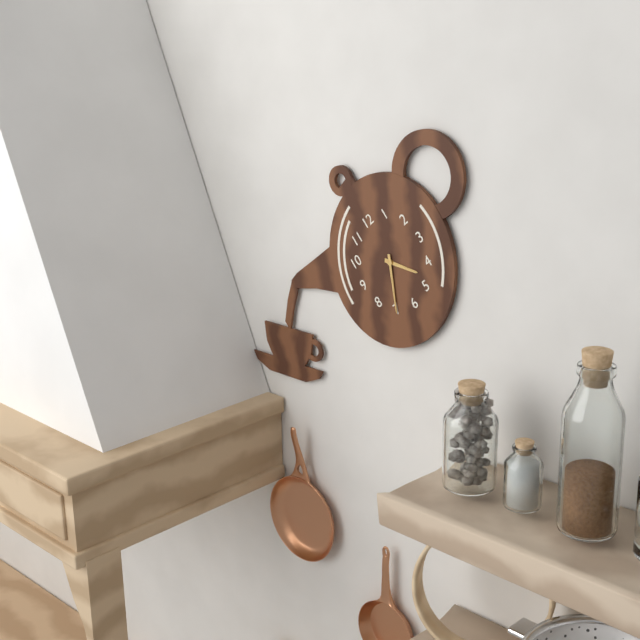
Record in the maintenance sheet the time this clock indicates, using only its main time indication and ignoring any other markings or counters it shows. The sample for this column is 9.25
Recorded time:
4.35
